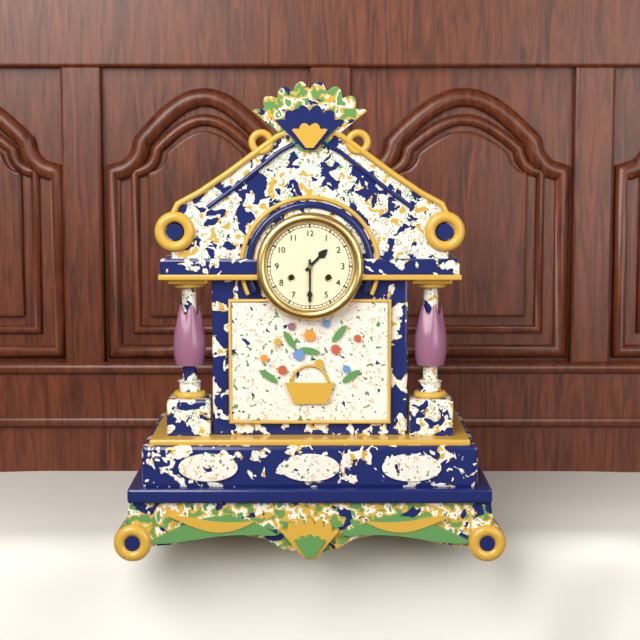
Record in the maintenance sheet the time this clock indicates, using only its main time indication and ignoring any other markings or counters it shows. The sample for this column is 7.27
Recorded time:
1.30
